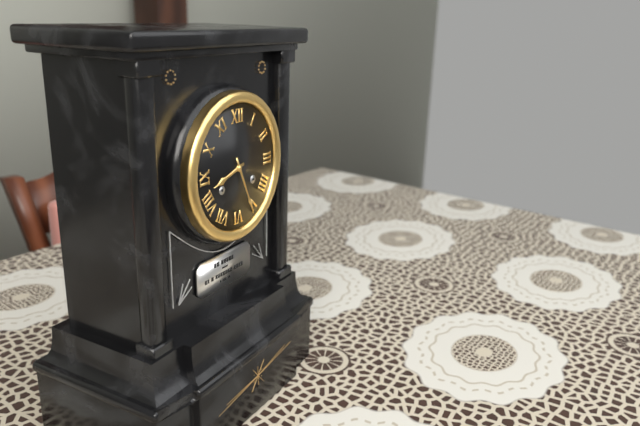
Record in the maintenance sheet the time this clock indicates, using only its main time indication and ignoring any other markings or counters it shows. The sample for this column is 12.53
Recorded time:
8.26
